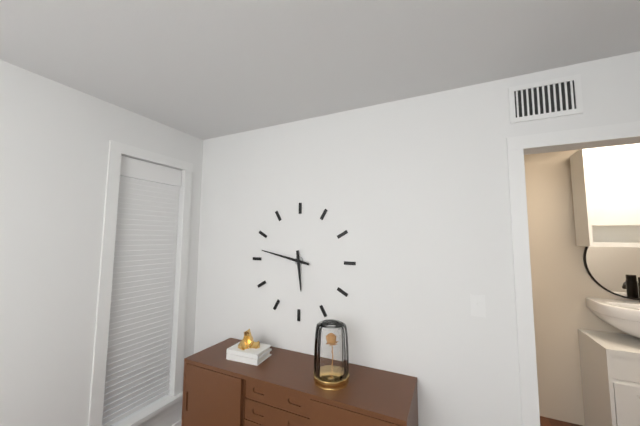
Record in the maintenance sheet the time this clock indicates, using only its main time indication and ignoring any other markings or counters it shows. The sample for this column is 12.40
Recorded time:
5.47
